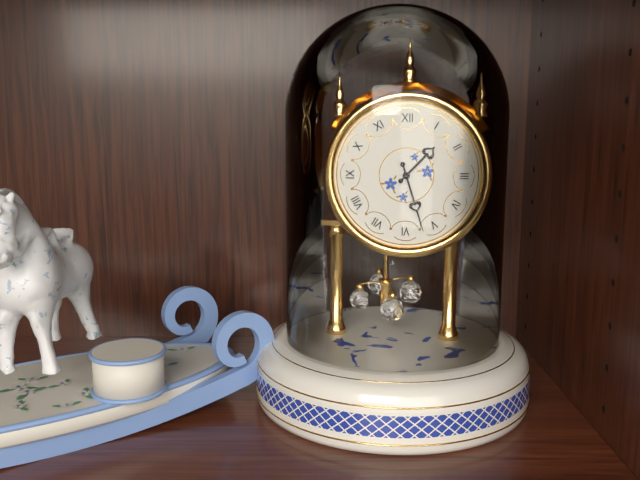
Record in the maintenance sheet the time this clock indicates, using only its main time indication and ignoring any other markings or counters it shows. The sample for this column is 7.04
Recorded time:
1.27
